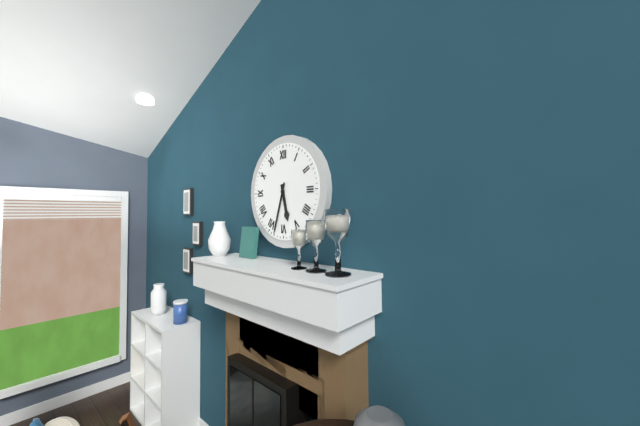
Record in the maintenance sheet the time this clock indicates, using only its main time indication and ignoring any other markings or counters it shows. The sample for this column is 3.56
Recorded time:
5.33
